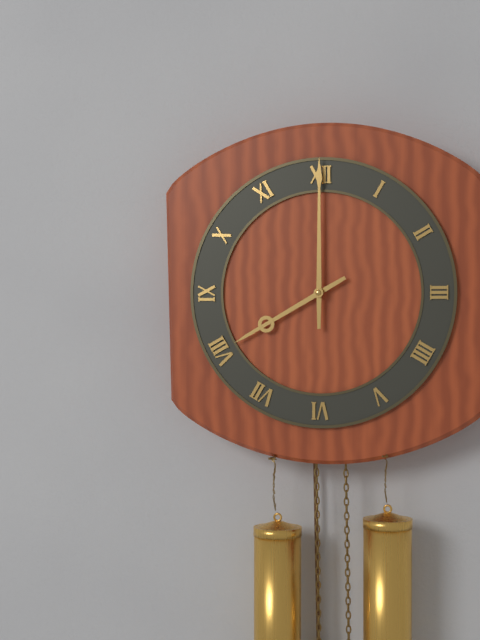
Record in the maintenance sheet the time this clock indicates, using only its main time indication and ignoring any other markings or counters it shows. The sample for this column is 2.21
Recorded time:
8.00
